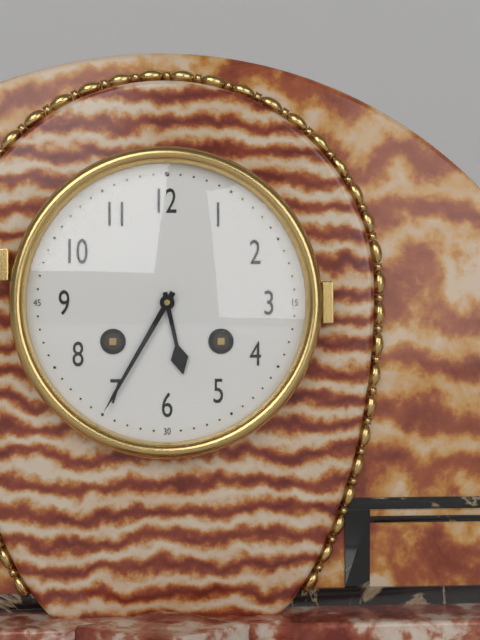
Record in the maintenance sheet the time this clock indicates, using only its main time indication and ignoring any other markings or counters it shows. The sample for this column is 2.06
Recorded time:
5.35
